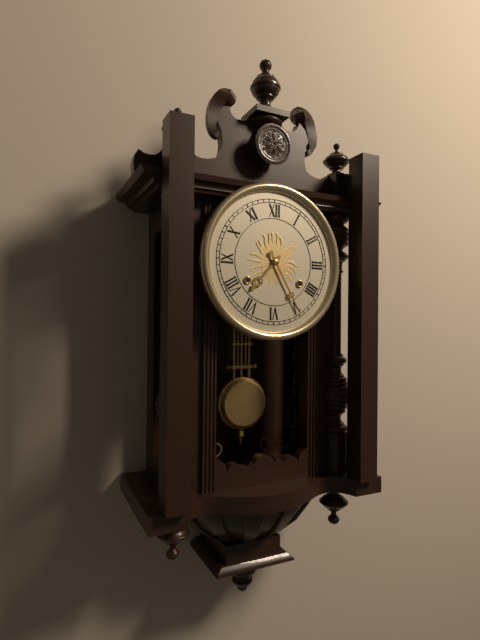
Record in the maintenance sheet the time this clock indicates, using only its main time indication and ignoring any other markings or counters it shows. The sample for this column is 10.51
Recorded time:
7.25
